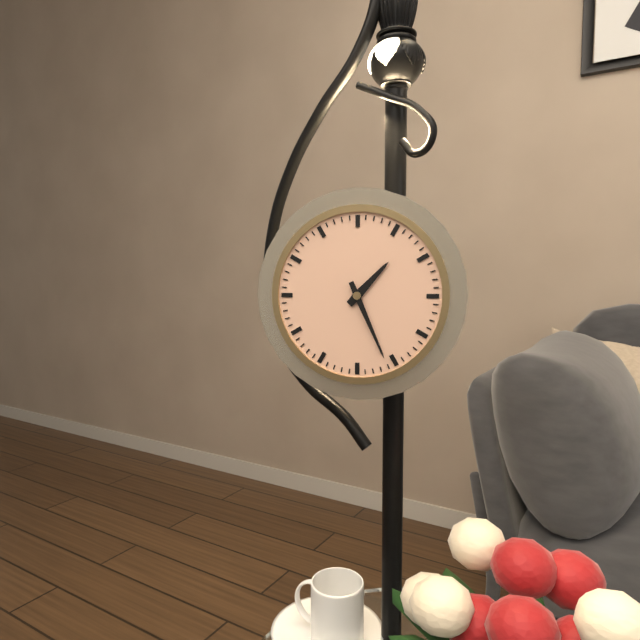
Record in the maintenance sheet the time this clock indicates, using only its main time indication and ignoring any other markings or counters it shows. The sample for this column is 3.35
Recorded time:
1.26
